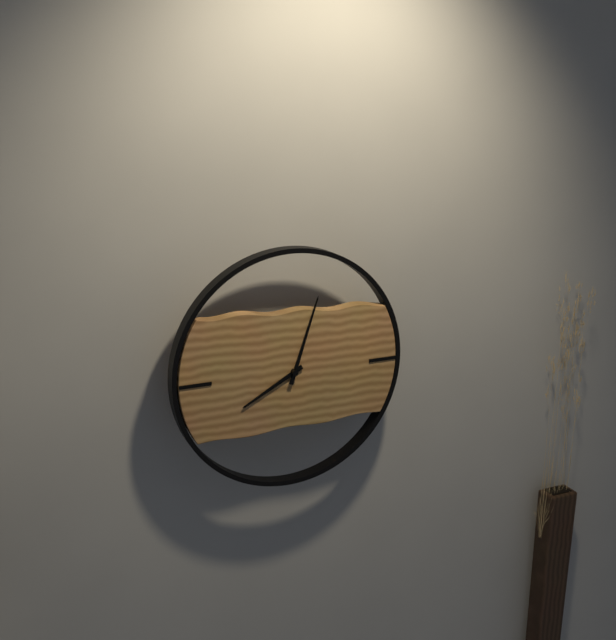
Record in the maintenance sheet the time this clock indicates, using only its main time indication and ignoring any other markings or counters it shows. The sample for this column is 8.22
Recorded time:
8.03
